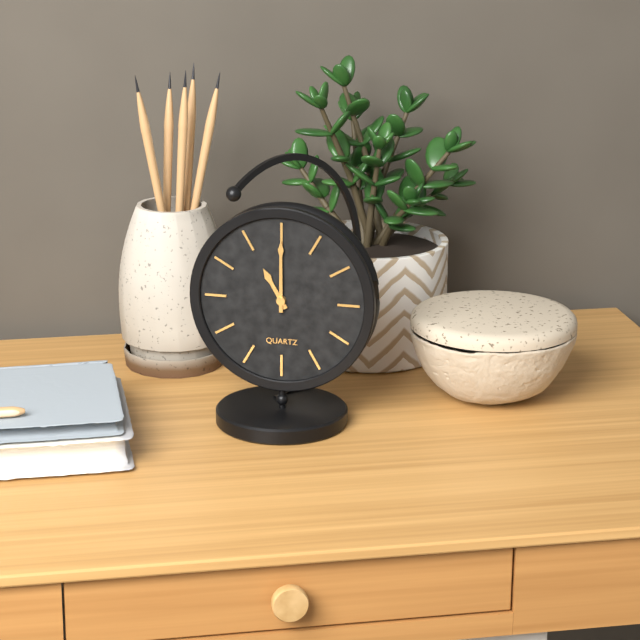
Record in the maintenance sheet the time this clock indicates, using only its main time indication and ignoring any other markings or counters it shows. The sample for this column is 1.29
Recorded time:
11.00
